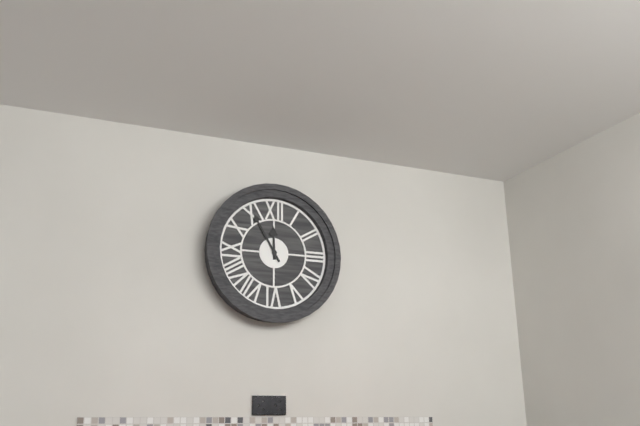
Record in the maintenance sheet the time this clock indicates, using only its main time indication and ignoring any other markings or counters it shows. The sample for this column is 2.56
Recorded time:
11.55
